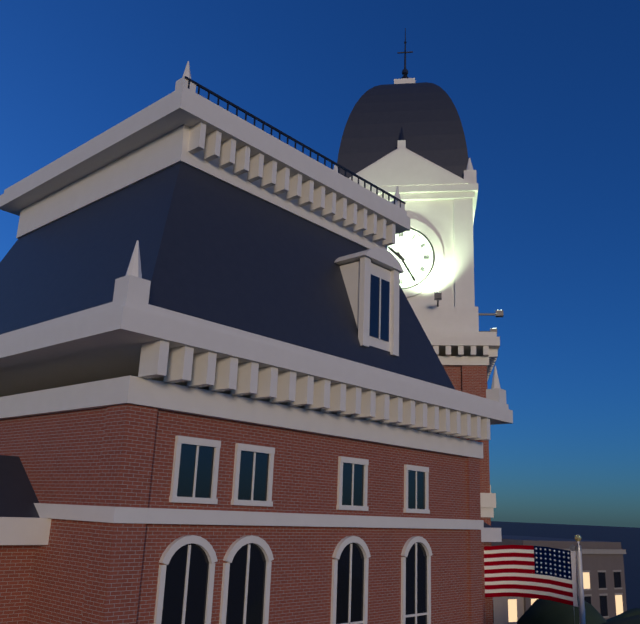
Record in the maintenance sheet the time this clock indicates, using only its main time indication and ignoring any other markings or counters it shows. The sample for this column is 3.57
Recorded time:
10.25
